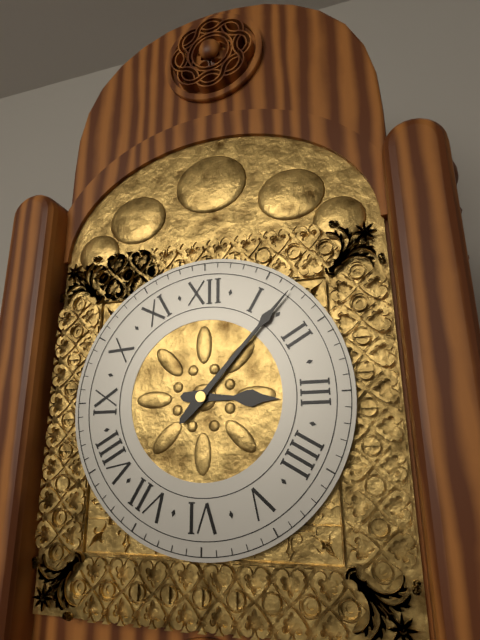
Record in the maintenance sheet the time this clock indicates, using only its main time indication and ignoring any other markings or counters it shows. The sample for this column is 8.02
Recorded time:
3.07
